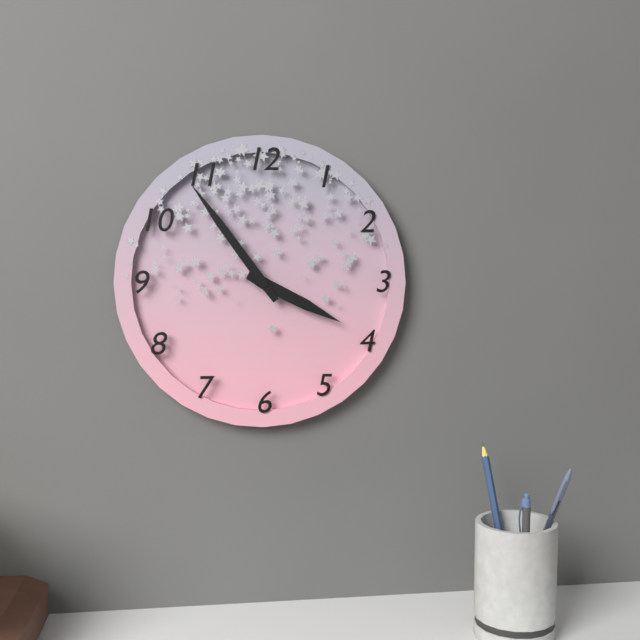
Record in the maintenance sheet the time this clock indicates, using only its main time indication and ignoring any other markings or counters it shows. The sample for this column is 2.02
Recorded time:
3.54
